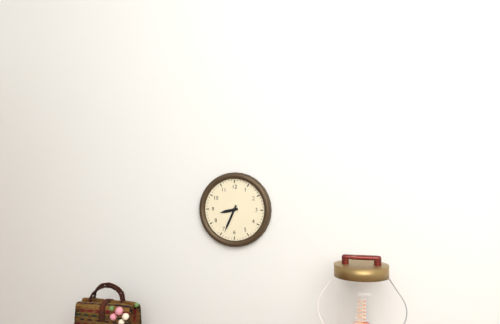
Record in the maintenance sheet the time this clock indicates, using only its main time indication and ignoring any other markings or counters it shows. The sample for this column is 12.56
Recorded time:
8.34
